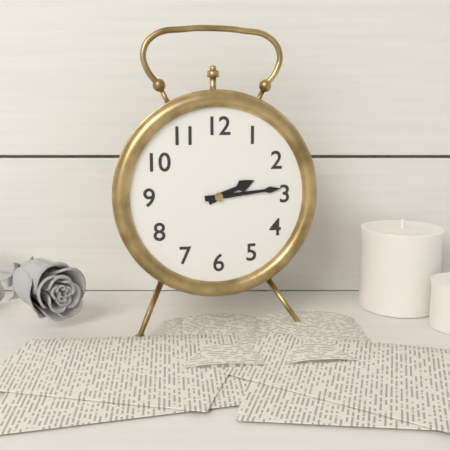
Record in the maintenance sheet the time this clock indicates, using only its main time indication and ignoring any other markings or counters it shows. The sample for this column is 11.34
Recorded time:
2.14
